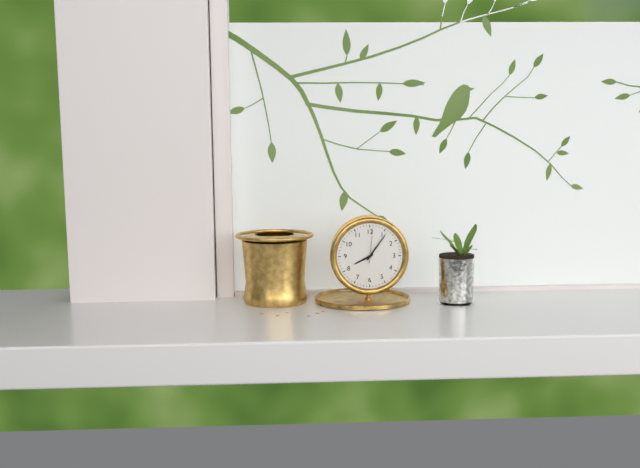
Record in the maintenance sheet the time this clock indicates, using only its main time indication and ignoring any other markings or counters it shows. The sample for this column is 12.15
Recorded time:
8.06
